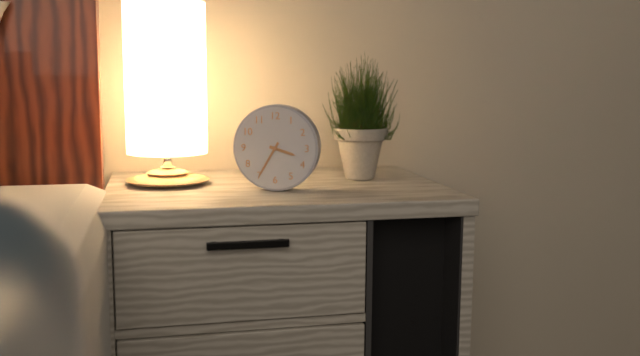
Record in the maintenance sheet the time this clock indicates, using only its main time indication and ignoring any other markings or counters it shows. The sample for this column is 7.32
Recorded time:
3.35
